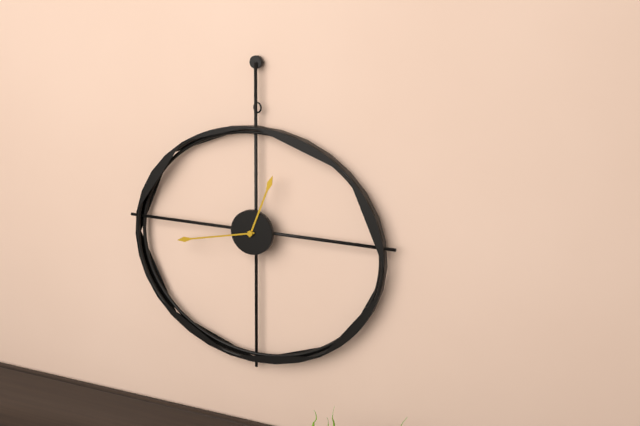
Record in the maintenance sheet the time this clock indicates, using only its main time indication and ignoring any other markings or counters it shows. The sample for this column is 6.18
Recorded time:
12.43
